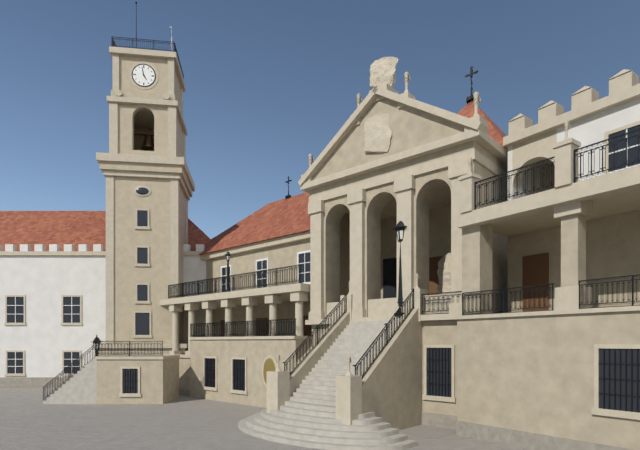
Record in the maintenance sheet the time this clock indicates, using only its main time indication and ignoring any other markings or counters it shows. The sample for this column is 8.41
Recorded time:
4.58
